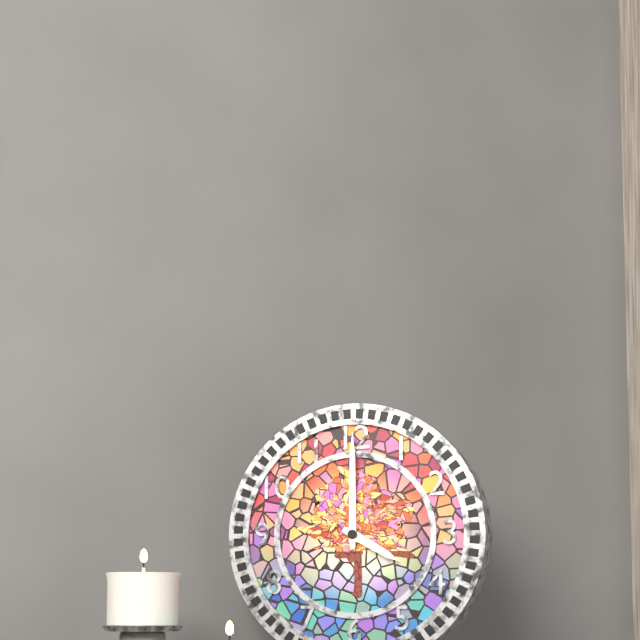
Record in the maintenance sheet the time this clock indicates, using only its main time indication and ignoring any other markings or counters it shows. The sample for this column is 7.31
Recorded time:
4.00
